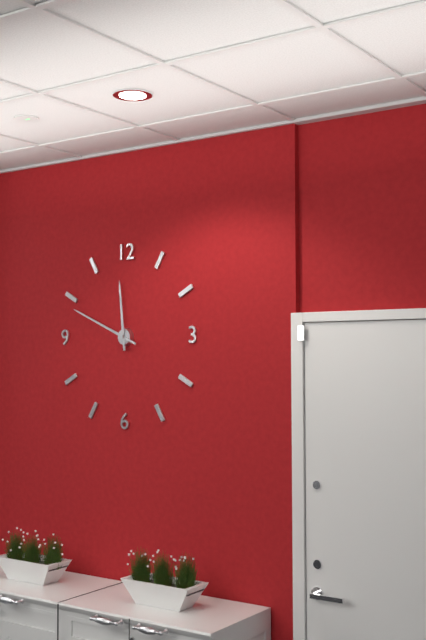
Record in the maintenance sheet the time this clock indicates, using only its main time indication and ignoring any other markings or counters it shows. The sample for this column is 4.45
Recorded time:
11.49
